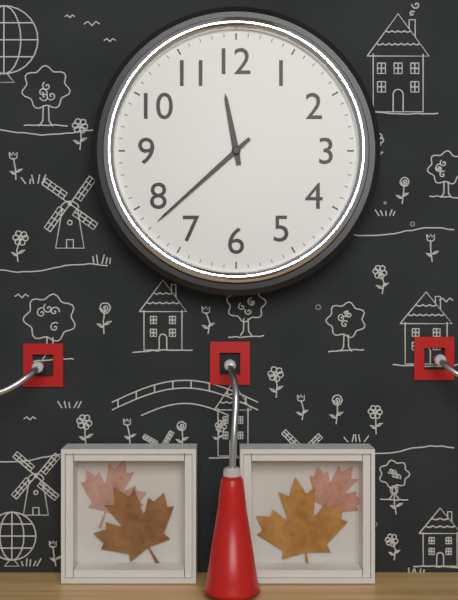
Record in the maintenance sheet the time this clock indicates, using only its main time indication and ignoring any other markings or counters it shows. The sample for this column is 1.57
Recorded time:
11.38
